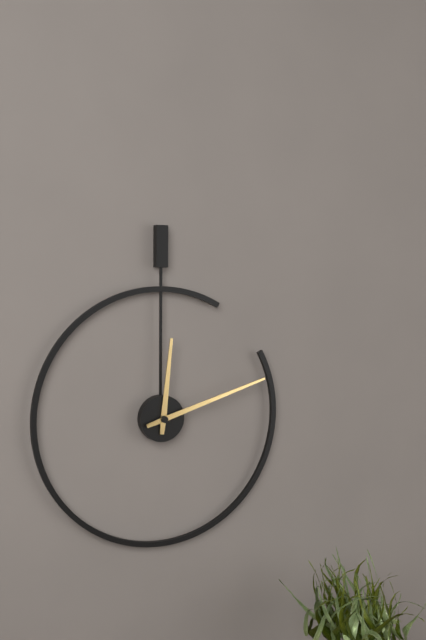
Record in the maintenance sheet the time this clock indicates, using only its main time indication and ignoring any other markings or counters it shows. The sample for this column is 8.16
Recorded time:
12.12
